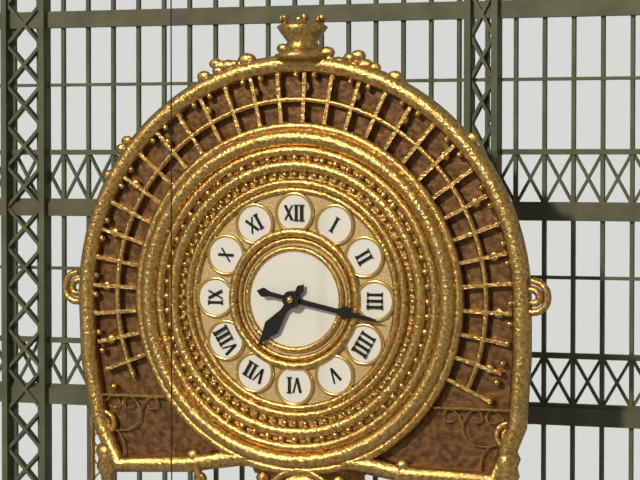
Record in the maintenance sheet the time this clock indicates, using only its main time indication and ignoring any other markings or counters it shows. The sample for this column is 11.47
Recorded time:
7.17
